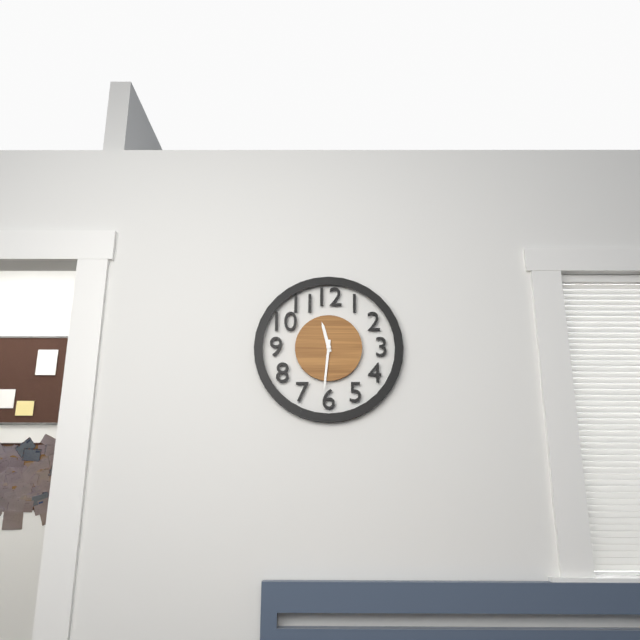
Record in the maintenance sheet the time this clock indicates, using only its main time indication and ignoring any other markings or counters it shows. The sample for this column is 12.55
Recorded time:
11.31
